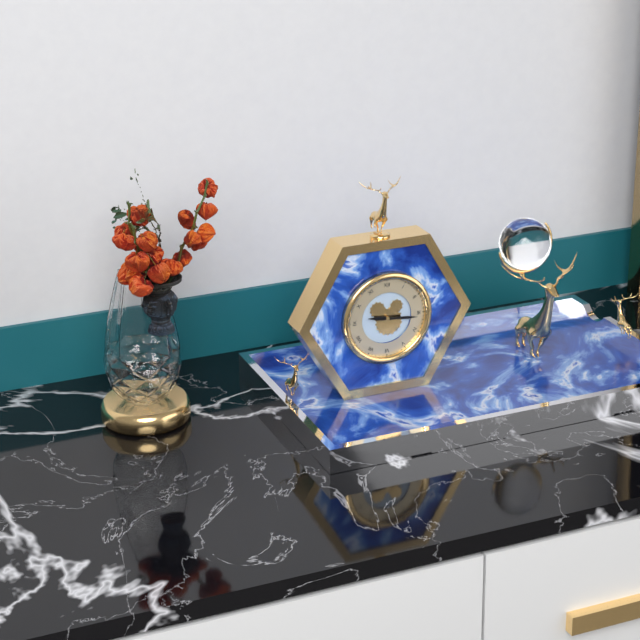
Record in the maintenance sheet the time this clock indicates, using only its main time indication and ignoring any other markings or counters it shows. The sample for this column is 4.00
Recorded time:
9.16
